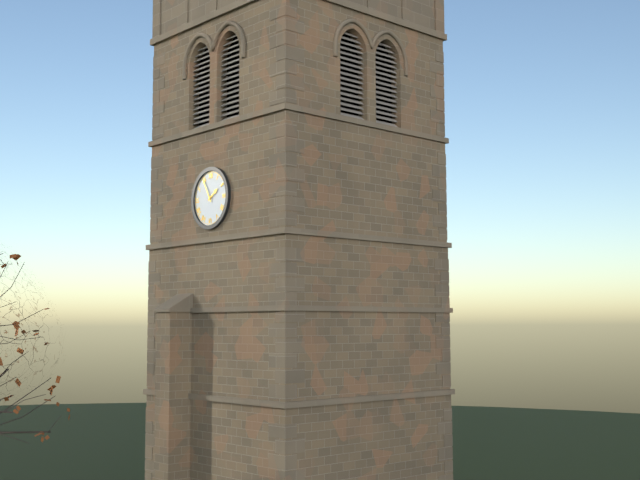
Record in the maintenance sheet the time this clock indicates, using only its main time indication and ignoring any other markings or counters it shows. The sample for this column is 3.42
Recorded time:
1.55
